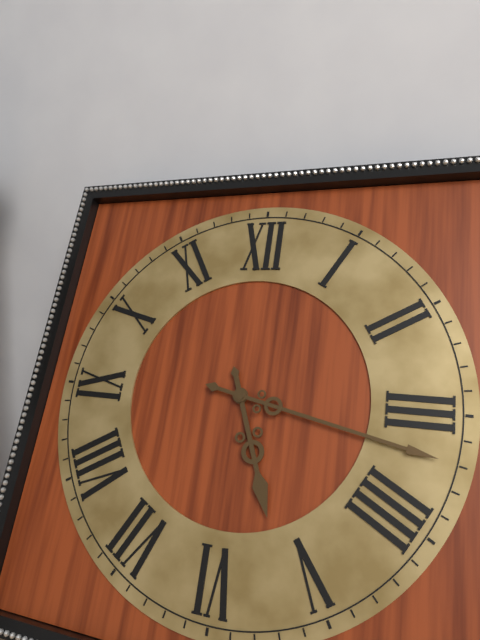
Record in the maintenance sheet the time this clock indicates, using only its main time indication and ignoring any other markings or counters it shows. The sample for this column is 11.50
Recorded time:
5.17
